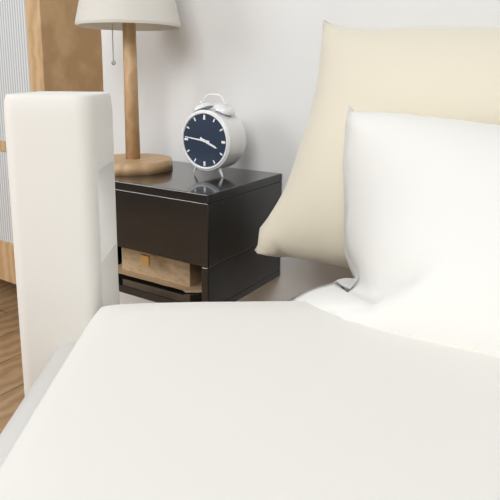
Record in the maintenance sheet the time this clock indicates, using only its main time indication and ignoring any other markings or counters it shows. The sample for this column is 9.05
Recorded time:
3.46
